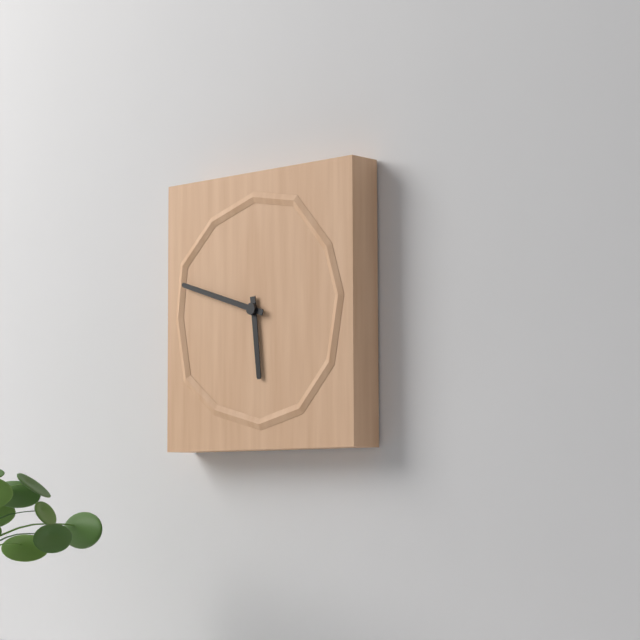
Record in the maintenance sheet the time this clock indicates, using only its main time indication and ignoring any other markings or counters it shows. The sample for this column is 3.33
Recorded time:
5.48
